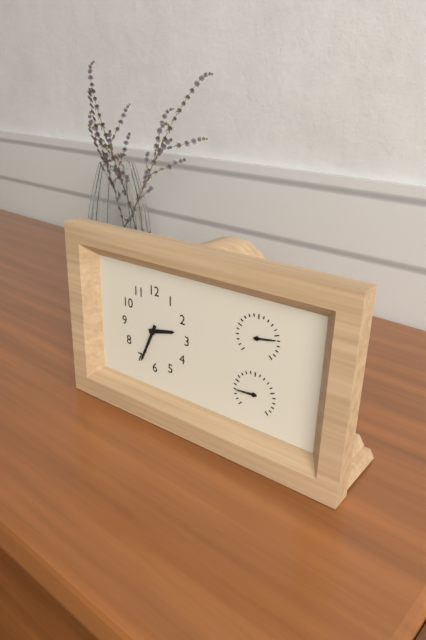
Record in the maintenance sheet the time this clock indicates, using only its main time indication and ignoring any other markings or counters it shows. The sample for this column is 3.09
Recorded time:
2.34
